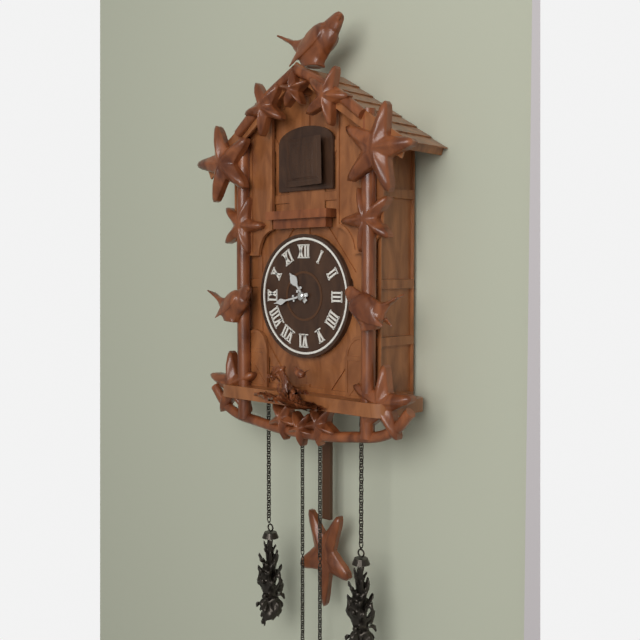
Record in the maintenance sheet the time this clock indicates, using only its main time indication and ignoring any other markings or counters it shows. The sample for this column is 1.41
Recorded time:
10.43
